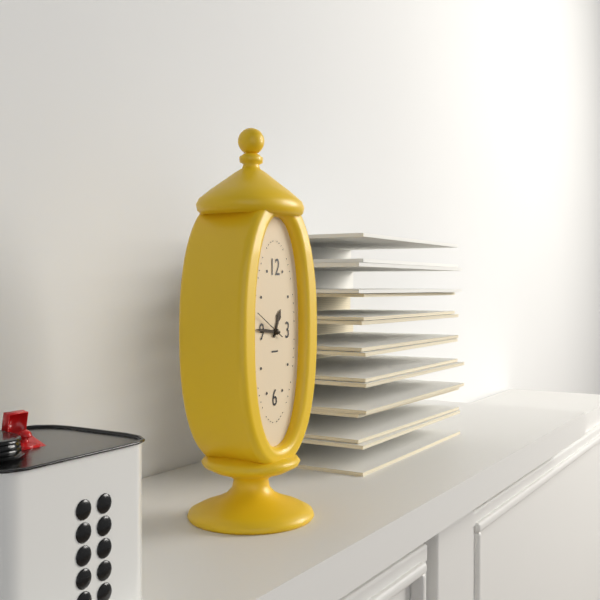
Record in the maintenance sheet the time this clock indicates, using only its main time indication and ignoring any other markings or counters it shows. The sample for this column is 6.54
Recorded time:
12.46
